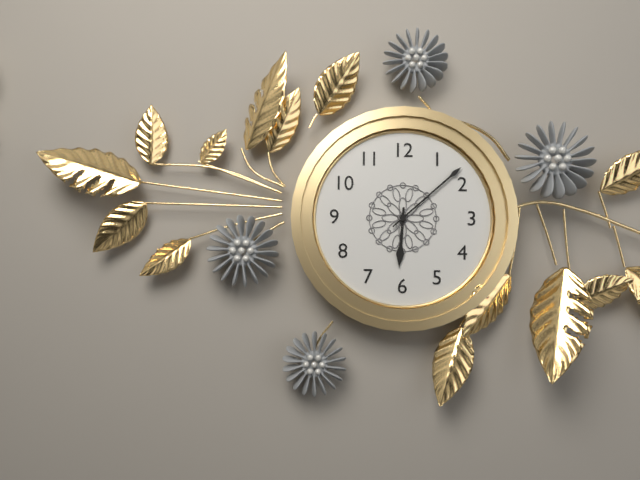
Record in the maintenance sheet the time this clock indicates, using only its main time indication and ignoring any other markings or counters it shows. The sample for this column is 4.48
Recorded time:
6.08
